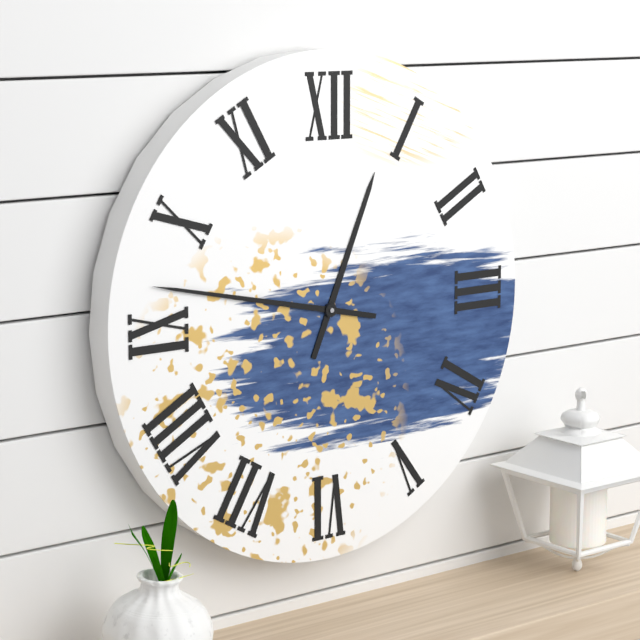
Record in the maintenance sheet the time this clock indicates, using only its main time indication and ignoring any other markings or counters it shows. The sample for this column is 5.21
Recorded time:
12.47
